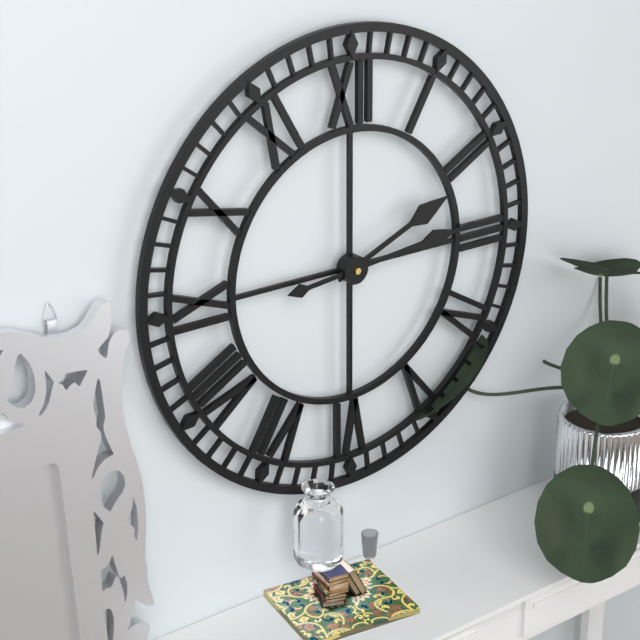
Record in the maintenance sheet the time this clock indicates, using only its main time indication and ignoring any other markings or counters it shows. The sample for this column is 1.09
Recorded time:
2.14
